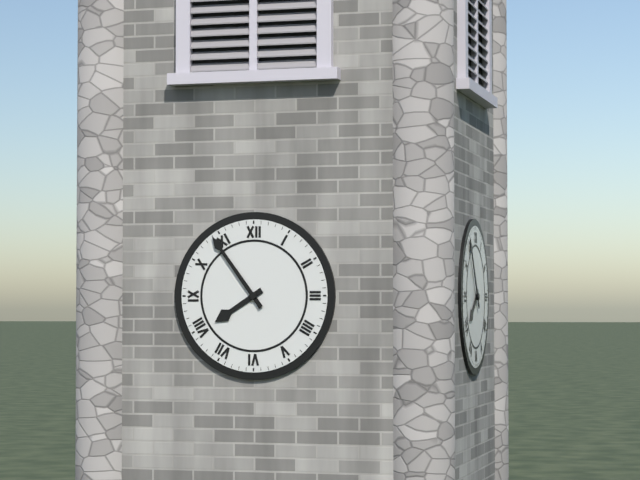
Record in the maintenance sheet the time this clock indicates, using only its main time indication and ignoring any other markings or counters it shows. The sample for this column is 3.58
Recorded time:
7.54
